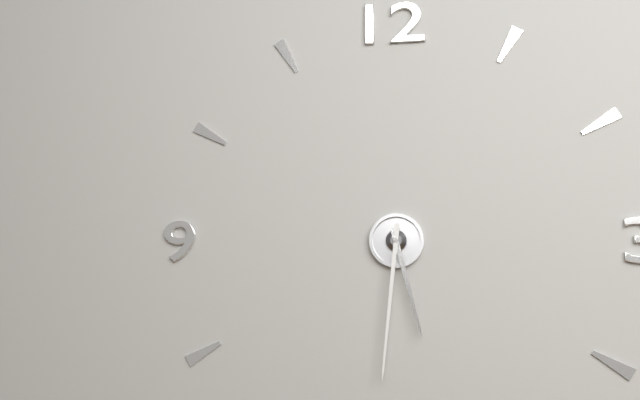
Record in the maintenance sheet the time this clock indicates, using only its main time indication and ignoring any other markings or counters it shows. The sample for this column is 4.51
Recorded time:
5.31
